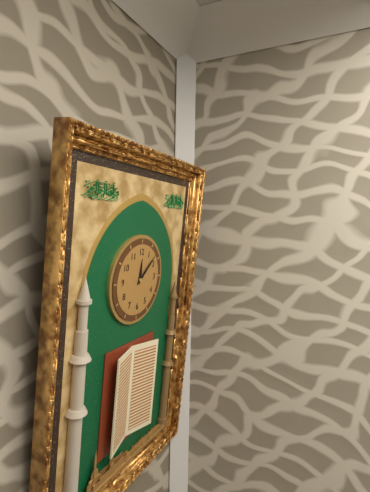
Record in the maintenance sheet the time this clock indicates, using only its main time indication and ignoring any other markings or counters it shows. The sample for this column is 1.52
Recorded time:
12.08
